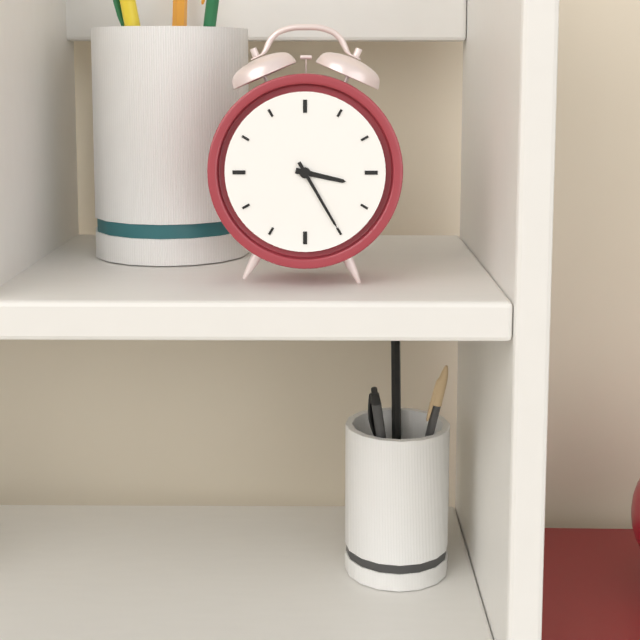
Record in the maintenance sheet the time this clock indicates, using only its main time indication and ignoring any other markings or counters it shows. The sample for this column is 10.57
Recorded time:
3.25
